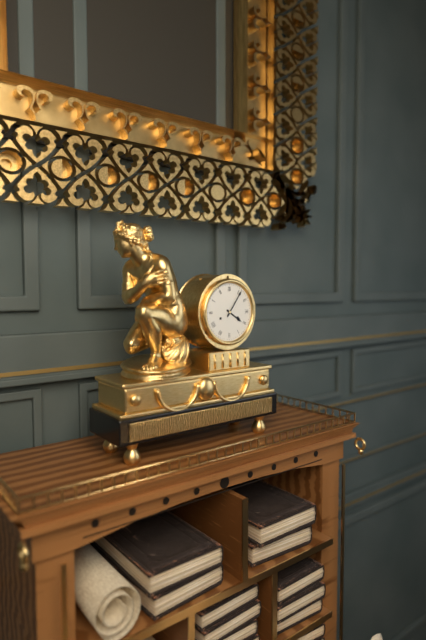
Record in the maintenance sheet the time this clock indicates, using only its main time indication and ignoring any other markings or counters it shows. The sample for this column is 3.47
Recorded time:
4.06
